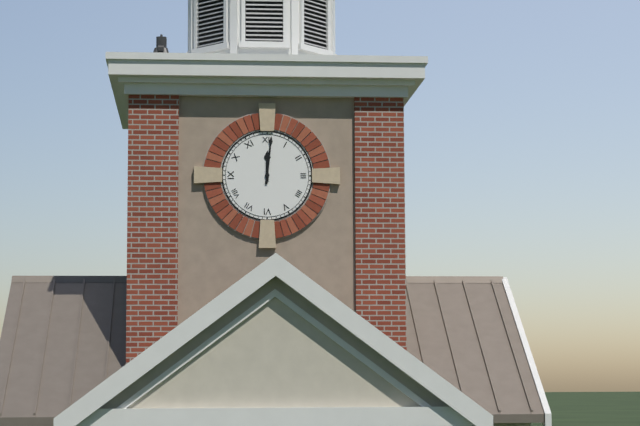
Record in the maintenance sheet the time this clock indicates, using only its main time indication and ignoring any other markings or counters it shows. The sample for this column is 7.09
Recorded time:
12.01
